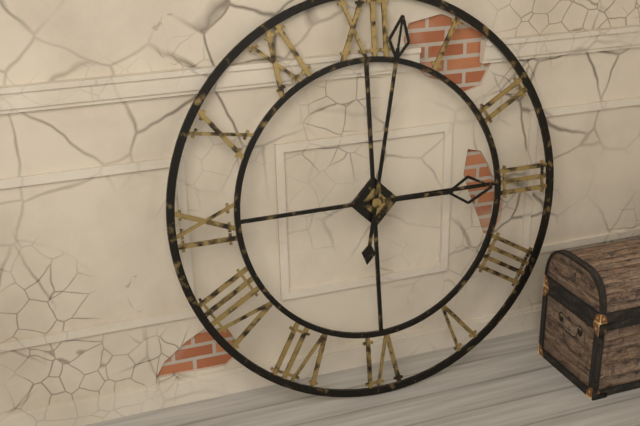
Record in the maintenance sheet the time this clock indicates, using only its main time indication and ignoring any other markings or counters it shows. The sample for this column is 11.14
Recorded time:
3.02
